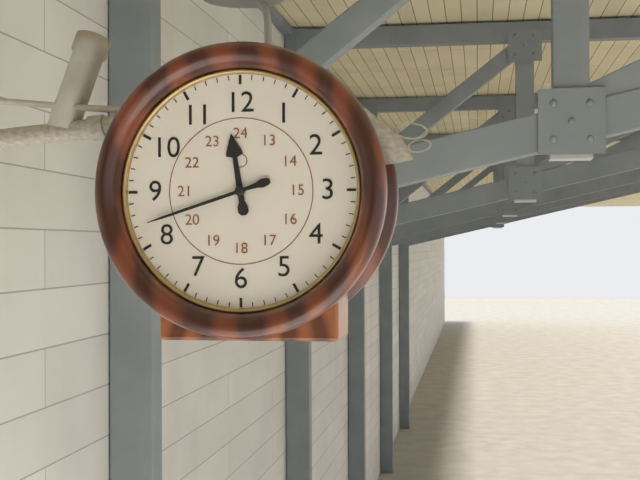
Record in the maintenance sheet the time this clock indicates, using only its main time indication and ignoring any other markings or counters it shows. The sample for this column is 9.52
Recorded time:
11.42
